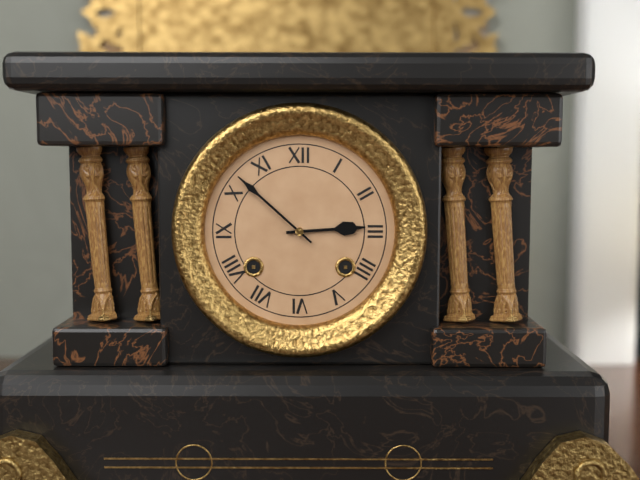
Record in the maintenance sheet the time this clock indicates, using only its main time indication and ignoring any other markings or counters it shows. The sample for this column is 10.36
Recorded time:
2.52
